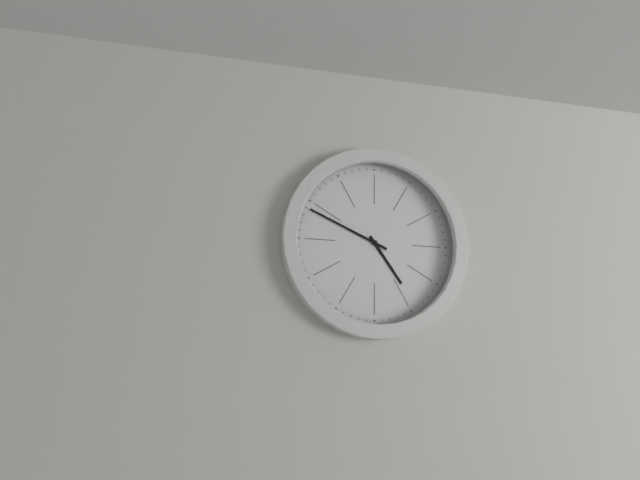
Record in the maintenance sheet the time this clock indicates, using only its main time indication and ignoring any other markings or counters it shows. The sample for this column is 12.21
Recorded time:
4.49
